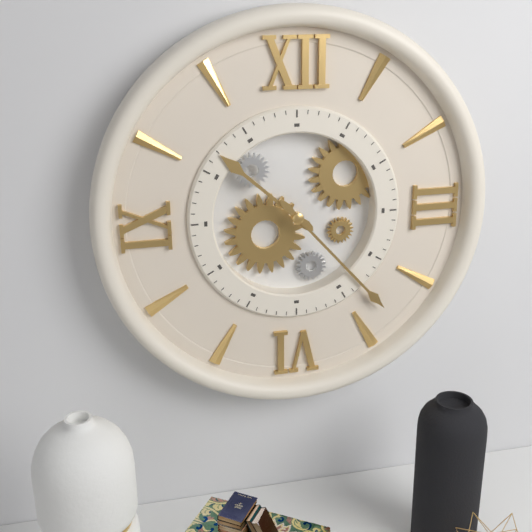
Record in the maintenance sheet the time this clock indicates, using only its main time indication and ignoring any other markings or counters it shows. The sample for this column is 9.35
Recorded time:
10.23
